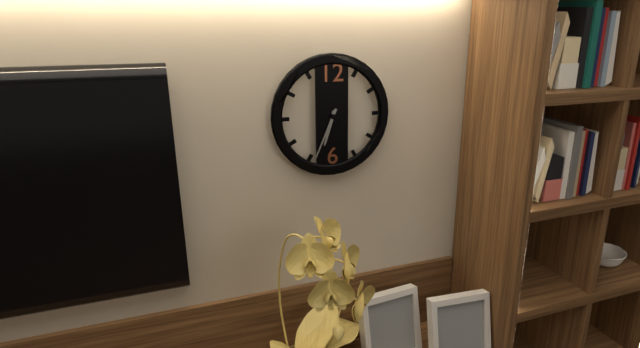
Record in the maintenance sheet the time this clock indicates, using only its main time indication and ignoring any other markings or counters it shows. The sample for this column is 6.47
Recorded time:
6.34
